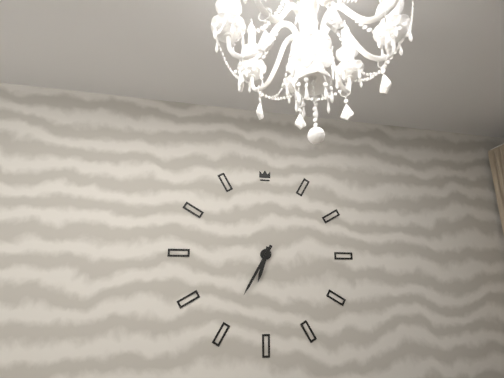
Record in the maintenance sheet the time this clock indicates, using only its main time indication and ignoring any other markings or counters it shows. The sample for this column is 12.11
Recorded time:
6.35
